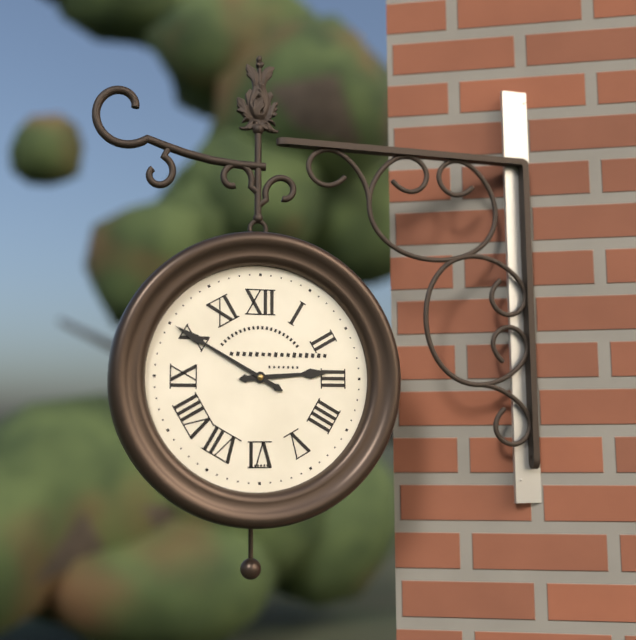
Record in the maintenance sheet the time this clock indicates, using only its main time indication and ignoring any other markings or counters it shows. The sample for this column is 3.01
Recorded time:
2.50
